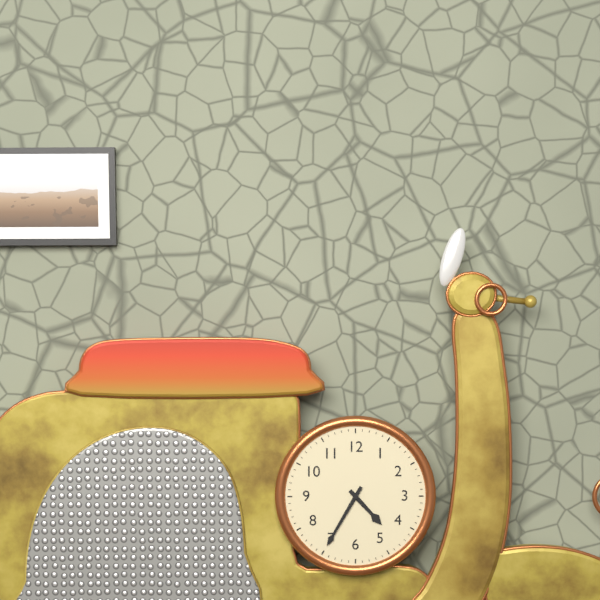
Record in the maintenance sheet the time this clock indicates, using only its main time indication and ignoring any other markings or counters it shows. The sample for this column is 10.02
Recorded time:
4.35
